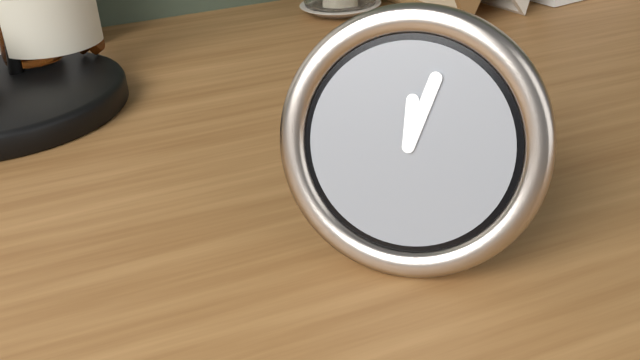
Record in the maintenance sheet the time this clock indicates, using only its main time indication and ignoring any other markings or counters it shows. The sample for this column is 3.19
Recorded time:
12.03
